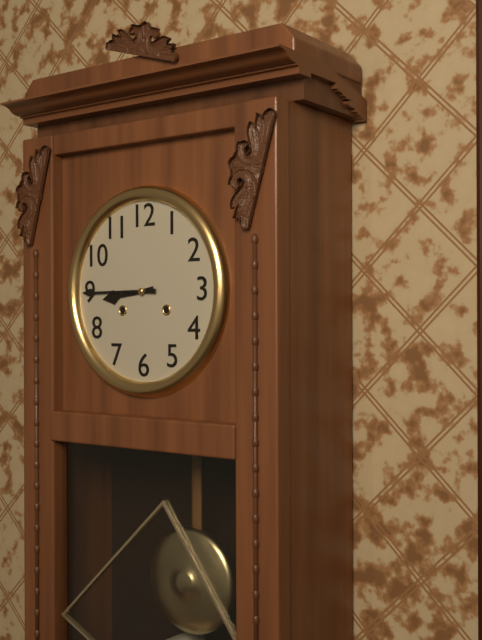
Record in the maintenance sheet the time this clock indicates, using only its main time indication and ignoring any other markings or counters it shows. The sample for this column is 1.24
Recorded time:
8.45
